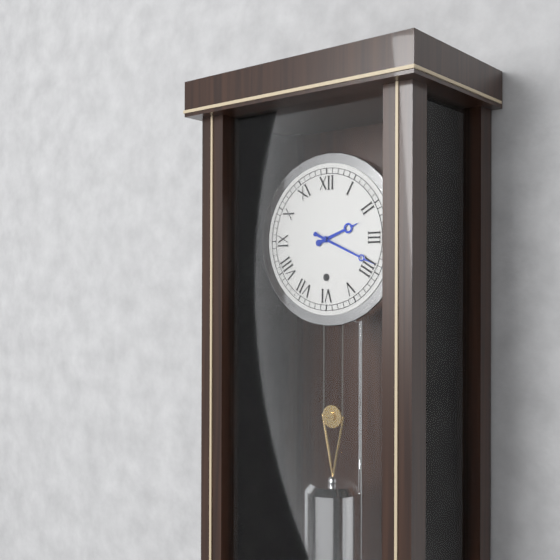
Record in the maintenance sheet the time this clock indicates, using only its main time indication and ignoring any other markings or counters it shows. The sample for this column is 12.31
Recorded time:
2.19
